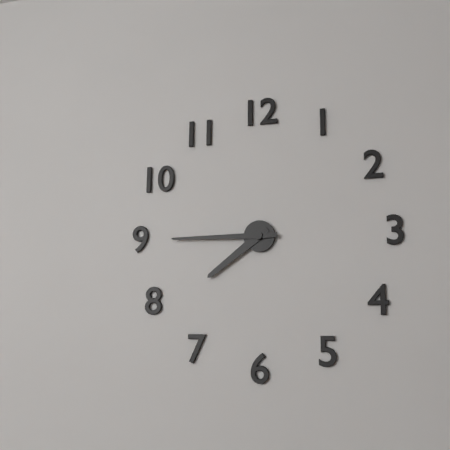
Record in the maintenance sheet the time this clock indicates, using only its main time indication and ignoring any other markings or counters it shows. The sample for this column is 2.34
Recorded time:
7.45
